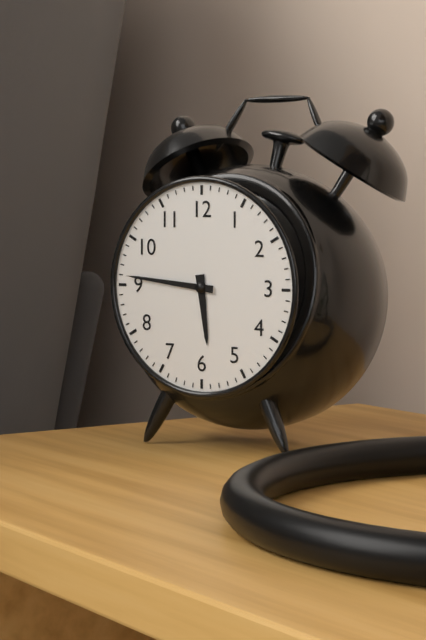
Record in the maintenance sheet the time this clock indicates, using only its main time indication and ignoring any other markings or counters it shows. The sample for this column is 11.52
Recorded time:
5.46
